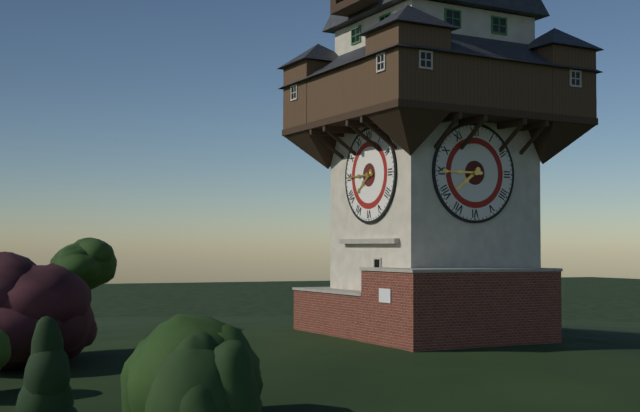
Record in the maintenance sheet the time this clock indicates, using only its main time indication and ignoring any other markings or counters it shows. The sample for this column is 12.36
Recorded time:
7.45
